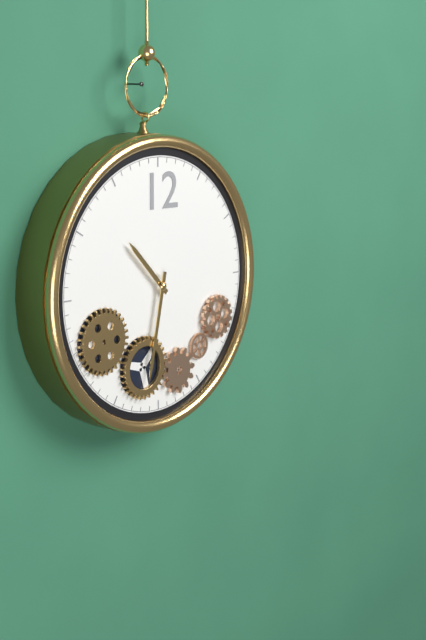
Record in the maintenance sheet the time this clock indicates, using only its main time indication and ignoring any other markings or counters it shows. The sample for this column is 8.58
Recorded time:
10.32
